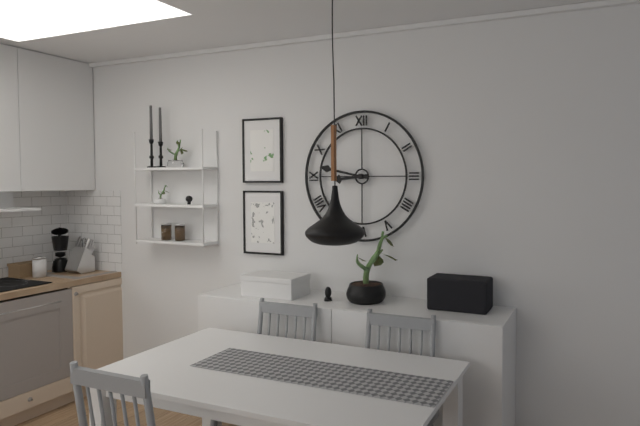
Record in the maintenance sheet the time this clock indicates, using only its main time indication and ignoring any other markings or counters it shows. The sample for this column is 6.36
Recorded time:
8.47
